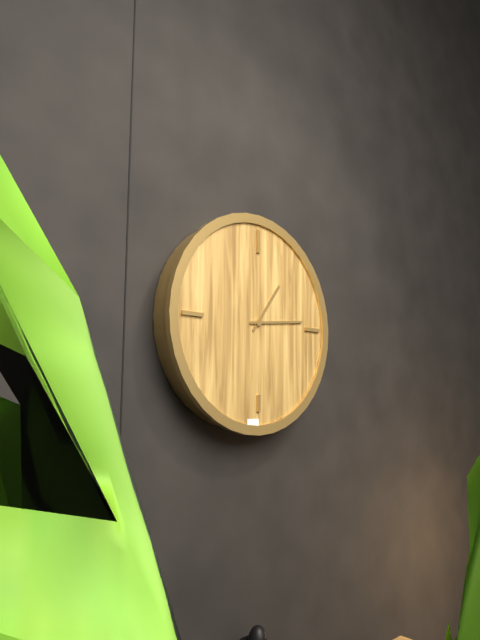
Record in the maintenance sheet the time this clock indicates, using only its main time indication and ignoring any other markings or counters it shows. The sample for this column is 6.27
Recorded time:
1.14
